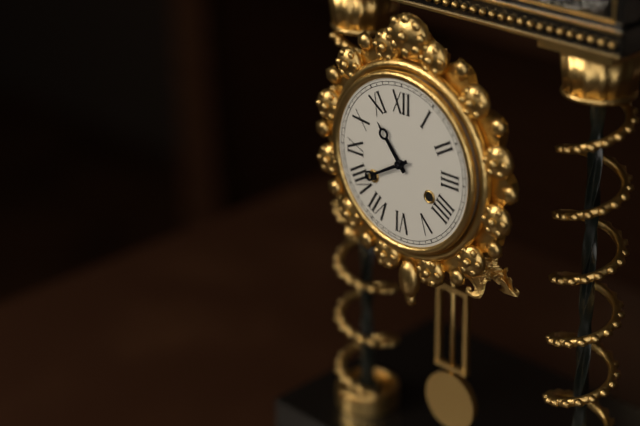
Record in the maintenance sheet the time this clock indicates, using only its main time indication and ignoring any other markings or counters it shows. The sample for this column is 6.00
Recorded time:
10.40
